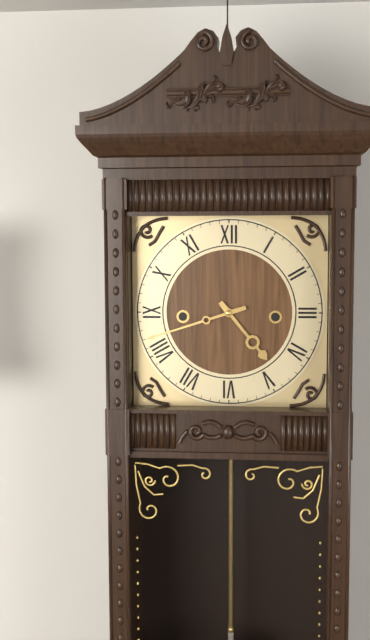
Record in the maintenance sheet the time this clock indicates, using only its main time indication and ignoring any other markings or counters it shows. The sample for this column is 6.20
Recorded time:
4.42
